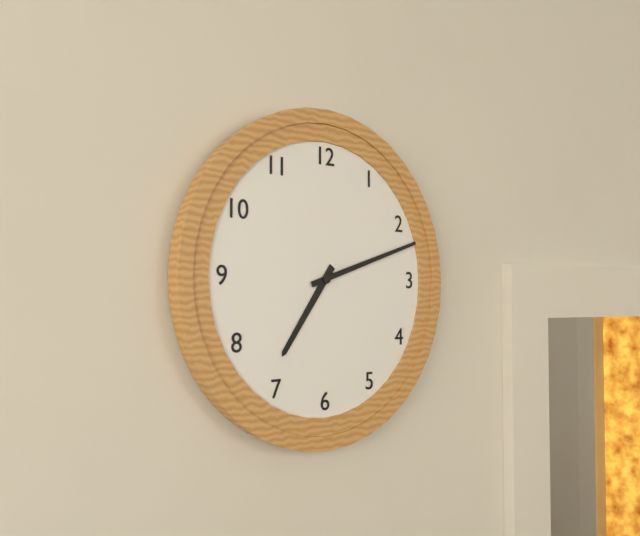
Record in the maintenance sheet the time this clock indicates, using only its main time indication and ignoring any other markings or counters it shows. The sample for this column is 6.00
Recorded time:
7.12
